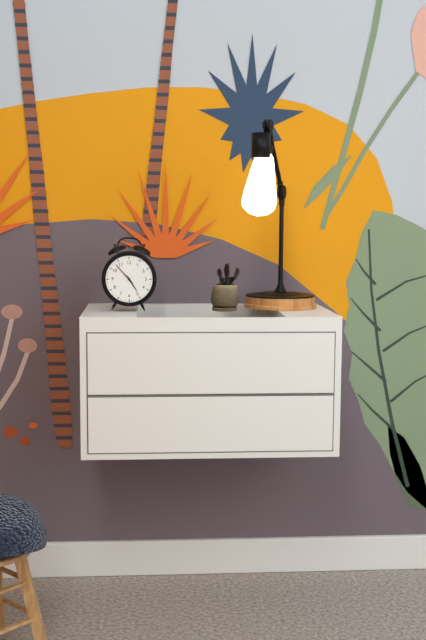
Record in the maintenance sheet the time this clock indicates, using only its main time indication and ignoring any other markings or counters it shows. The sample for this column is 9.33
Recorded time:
4.53
